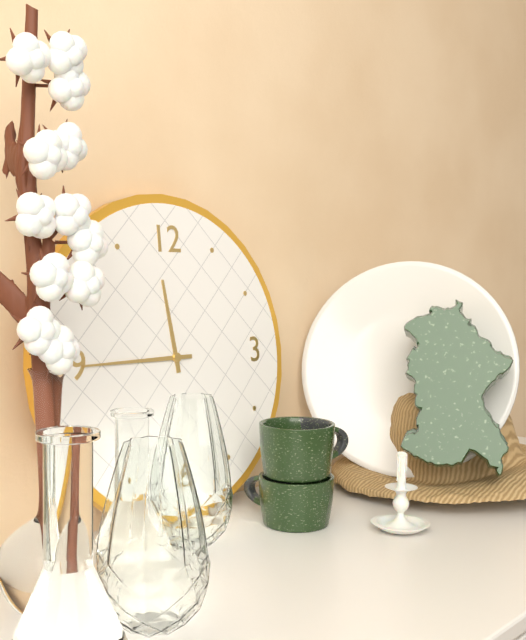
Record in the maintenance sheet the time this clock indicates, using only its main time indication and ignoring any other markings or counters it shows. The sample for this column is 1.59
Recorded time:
11.45
